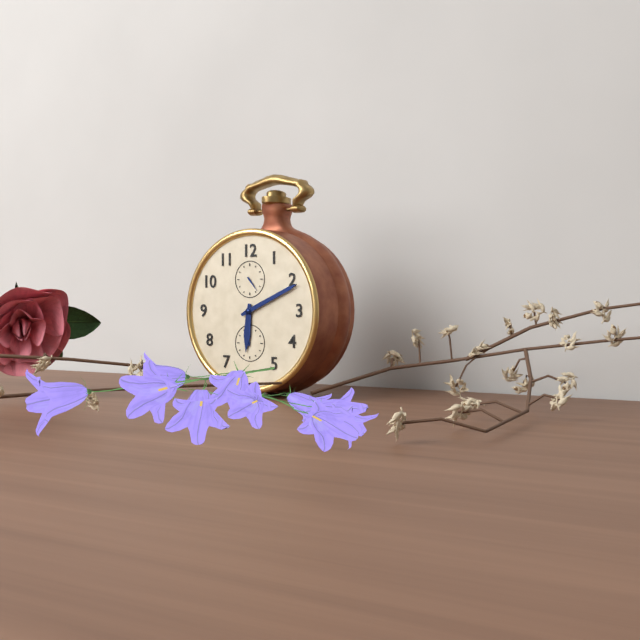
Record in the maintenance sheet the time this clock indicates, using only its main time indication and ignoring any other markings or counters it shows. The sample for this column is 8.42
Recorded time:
6.11
